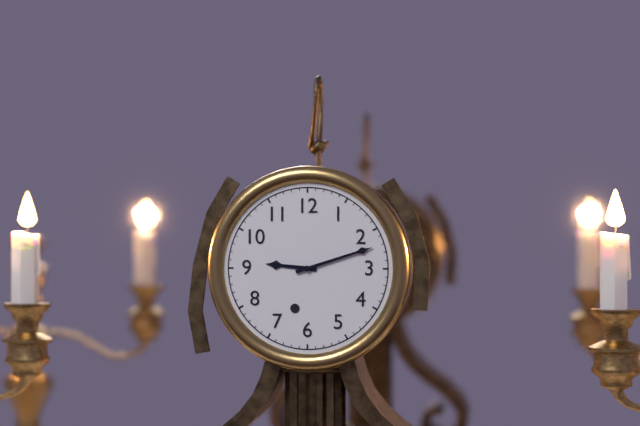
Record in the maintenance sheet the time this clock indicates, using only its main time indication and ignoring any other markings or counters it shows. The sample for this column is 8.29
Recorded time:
9.12
